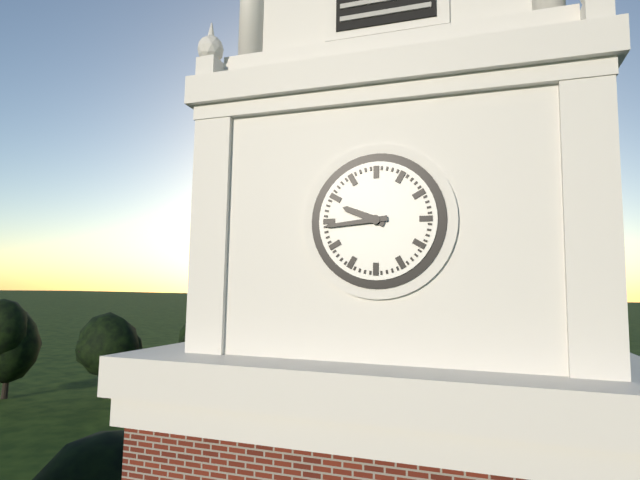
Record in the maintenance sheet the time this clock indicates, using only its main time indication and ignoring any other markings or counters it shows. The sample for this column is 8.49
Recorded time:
9.44
